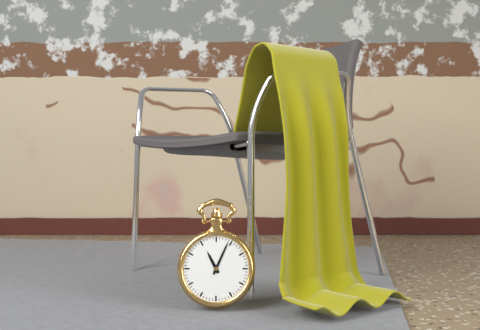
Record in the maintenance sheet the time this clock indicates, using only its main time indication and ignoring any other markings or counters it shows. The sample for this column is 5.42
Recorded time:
11.04
